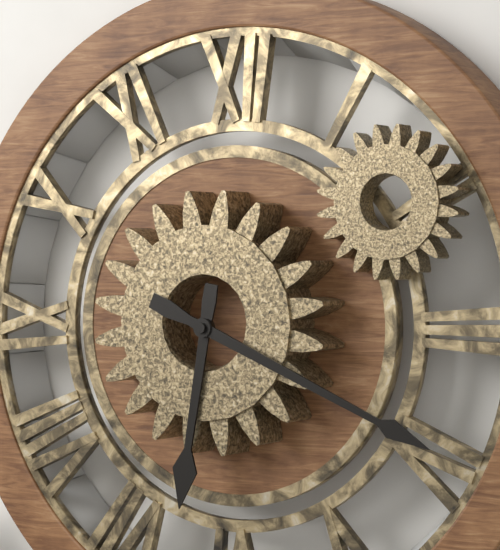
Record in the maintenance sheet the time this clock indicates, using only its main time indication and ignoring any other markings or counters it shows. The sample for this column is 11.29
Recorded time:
6.19
